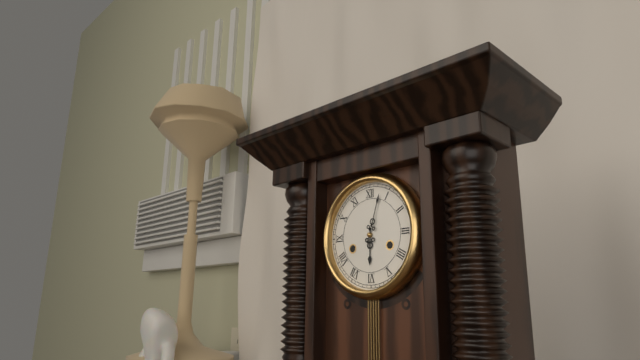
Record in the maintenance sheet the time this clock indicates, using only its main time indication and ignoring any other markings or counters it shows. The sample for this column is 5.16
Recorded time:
6.03
